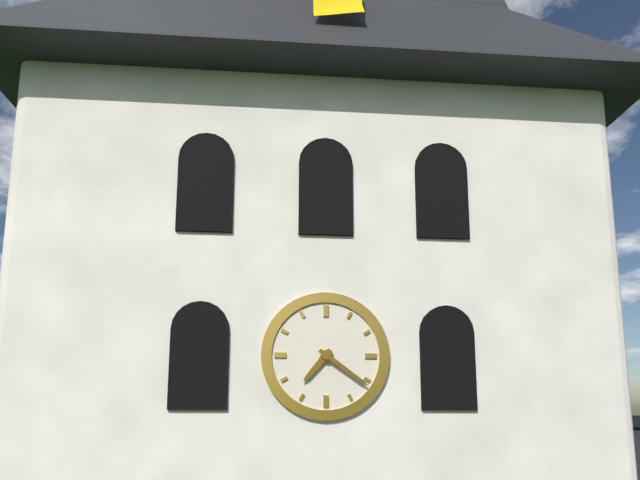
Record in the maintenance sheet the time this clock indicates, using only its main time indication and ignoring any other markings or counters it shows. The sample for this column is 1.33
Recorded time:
7.21
